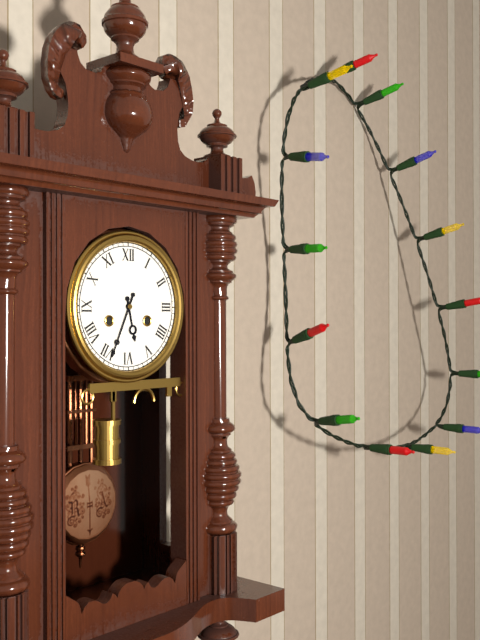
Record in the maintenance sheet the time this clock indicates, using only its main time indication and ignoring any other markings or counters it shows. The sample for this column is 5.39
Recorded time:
5.34
